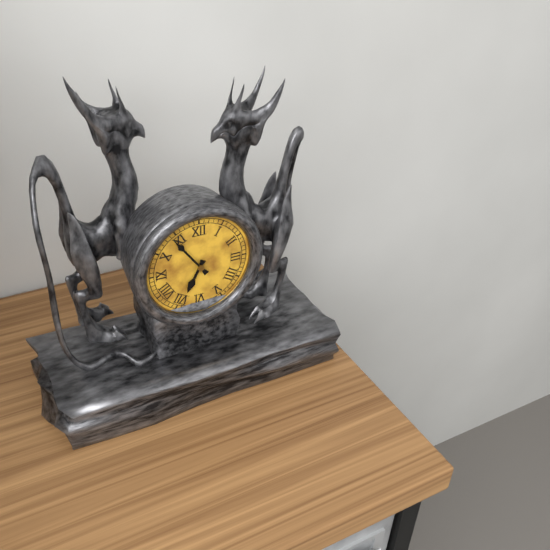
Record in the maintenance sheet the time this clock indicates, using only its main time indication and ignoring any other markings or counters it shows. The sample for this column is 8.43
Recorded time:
6.54
